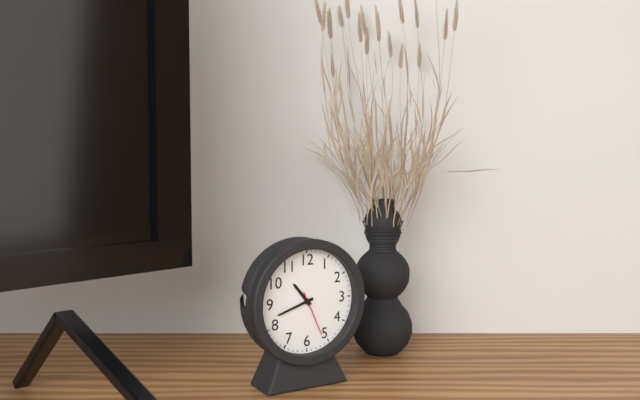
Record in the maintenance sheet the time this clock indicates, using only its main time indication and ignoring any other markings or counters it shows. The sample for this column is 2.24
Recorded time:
10.42
